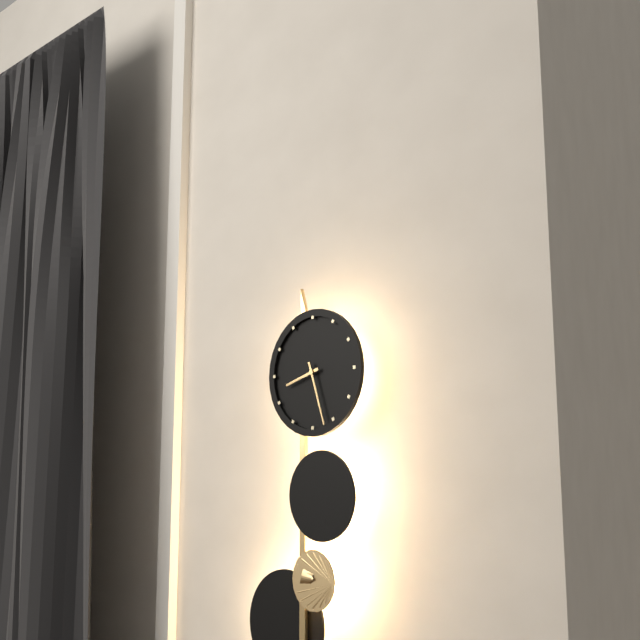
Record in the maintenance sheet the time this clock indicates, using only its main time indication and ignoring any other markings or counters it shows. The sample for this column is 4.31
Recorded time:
8.27
